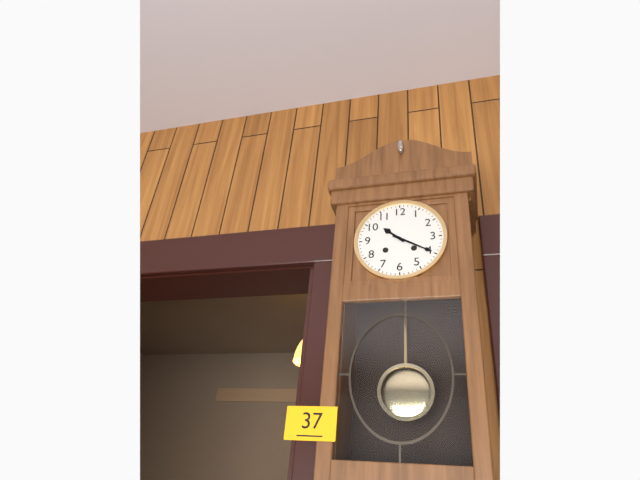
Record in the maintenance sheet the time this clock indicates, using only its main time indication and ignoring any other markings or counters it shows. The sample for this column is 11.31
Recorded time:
10.20
